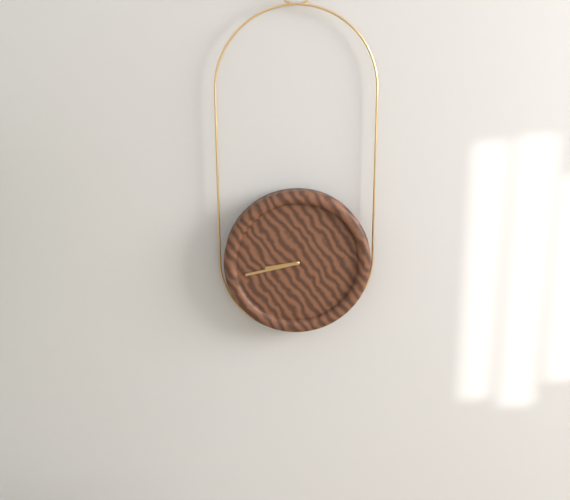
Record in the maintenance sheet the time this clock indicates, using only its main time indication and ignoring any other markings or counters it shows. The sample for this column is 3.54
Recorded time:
8.43
